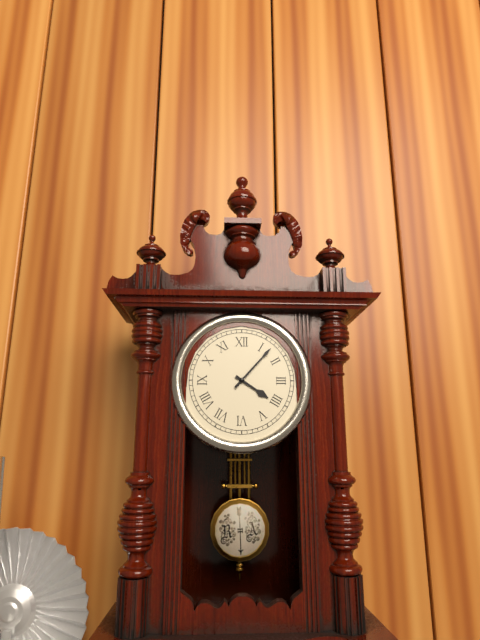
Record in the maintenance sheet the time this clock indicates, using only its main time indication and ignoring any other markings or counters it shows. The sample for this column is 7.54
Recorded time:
4.07
